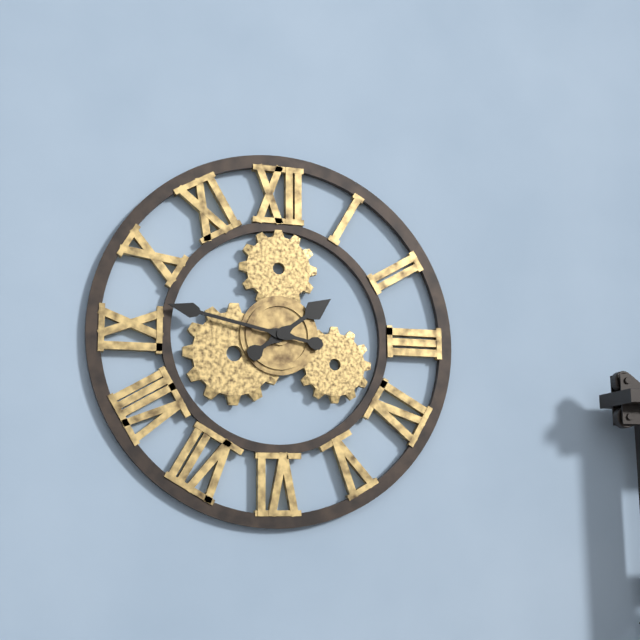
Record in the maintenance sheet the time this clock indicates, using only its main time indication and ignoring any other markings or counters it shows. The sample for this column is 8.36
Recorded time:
1.47
